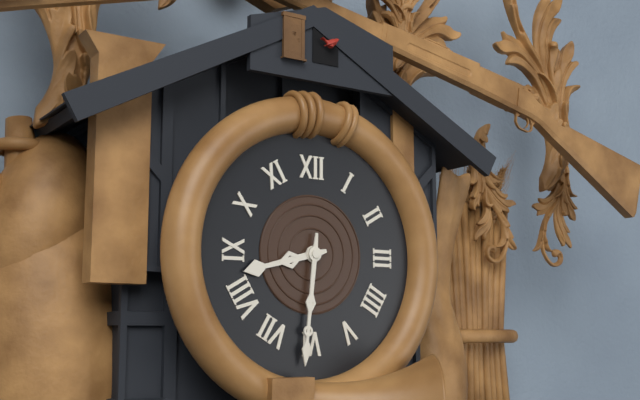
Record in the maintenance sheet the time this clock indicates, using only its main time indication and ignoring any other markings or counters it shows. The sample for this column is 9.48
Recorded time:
8.31
